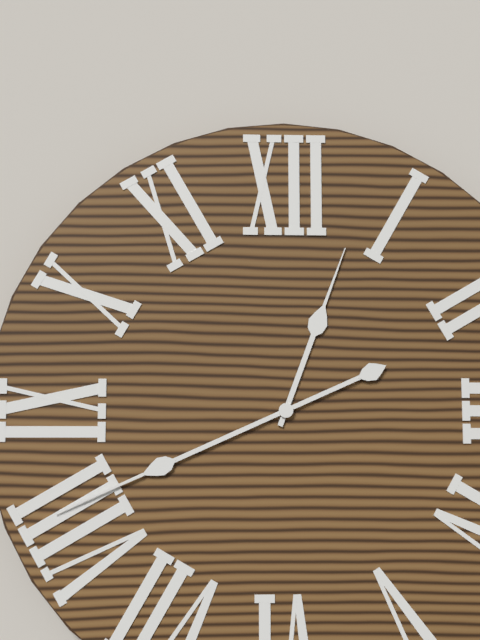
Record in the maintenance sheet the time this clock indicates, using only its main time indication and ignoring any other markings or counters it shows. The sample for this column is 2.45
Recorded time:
12.41
